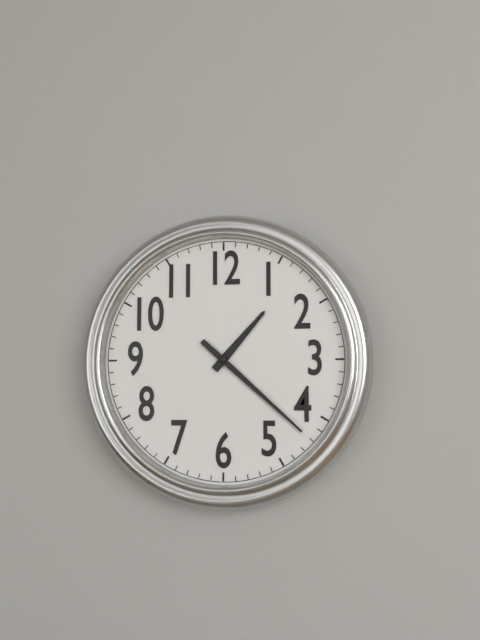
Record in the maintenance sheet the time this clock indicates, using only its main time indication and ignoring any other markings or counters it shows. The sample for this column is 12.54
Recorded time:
1.22
